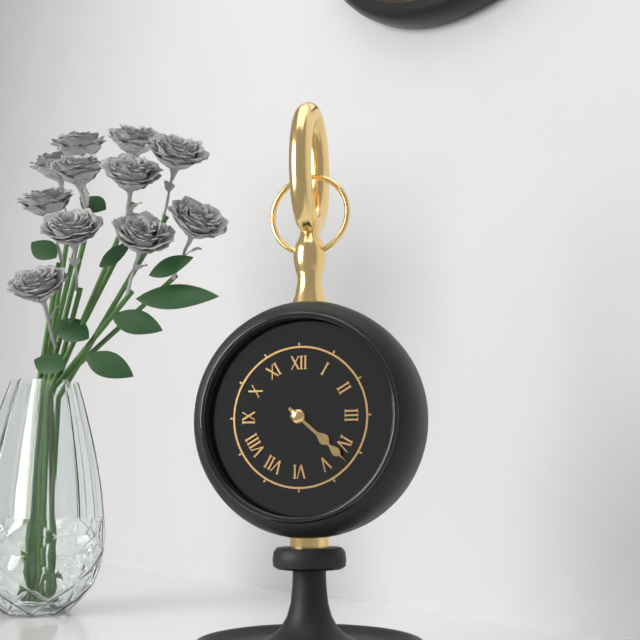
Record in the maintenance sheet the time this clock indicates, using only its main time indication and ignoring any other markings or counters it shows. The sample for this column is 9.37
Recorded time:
4.22
